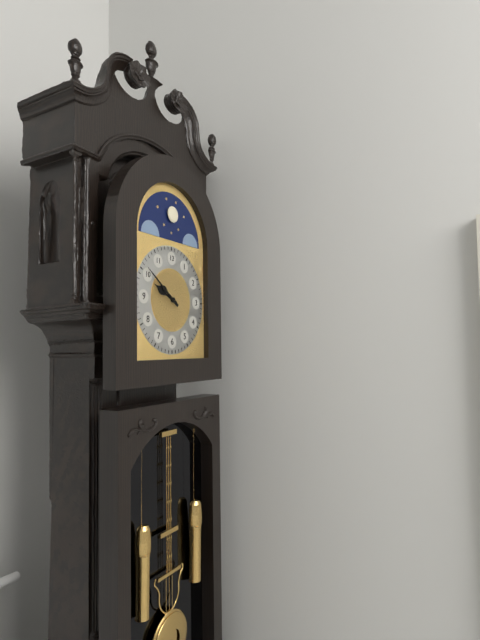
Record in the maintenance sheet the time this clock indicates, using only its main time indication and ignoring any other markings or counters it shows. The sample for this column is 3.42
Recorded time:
9.51
